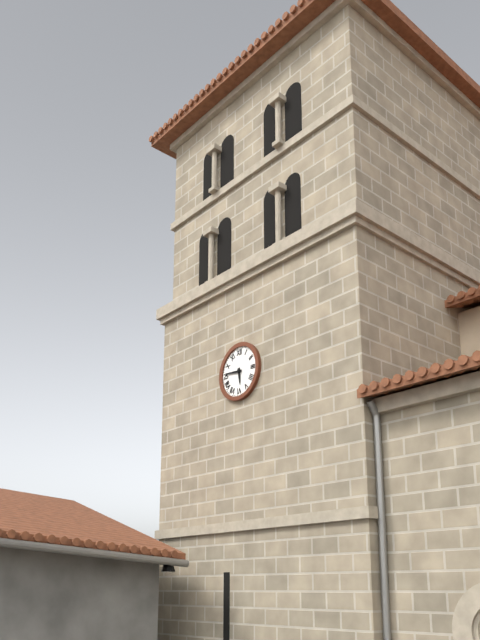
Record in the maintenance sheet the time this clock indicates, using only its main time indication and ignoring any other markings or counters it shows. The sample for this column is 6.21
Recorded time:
5.46
